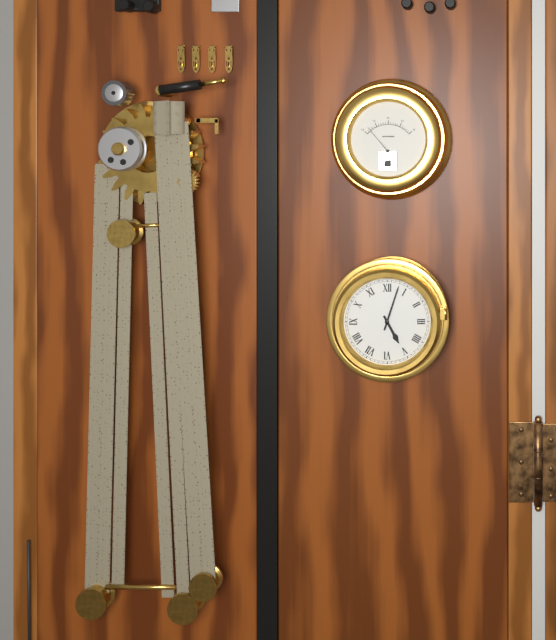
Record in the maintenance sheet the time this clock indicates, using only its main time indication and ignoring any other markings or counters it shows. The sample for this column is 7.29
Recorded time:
5.03
